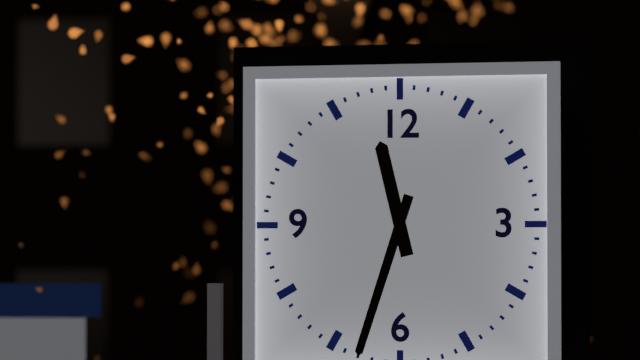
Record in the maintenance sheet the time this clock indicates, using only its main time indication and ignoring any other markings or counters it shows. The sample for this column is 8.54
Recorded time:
11.33
